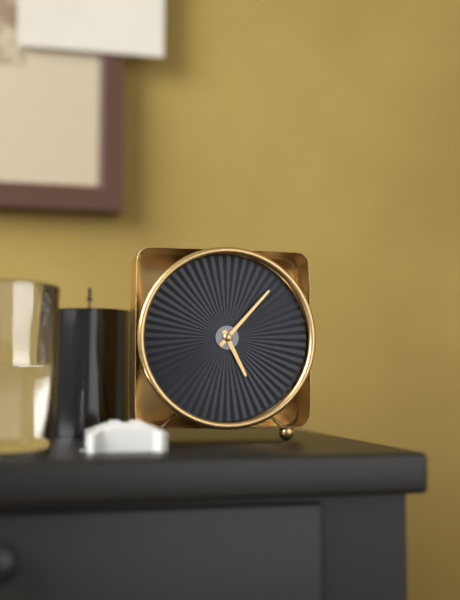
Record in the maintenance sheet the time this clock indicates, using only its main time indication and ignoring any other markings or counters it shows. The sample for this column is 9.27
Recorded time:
5.07
